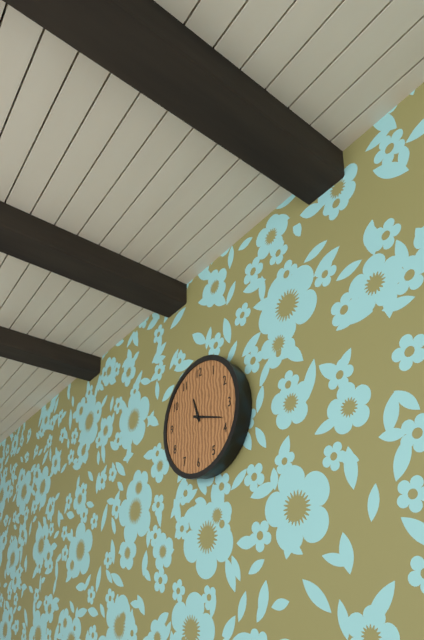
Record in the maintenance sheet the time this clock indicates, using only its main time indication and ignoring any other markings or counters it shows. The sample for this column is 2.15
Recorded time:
11.18
